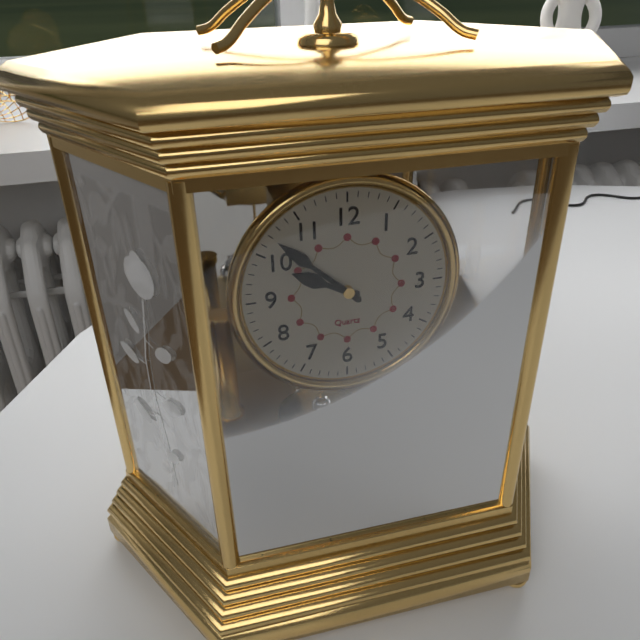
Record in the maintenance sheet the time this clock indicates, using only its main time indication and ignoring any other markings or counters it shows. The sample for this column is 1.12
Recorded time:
9.52
